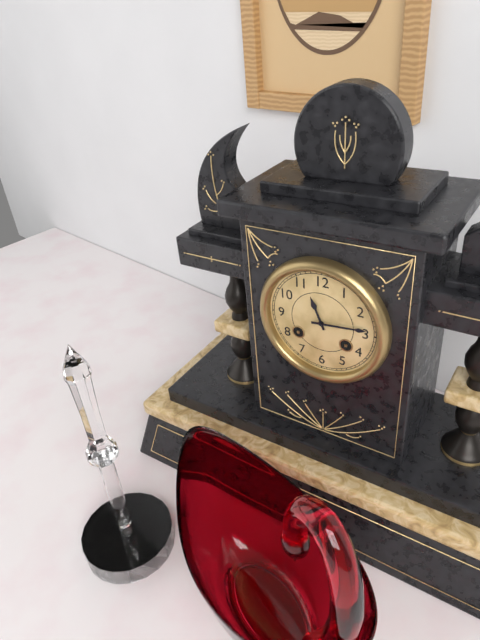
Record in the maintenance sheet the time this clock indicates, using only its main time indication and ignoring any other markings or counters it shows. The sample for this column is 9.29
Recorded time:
11.14
